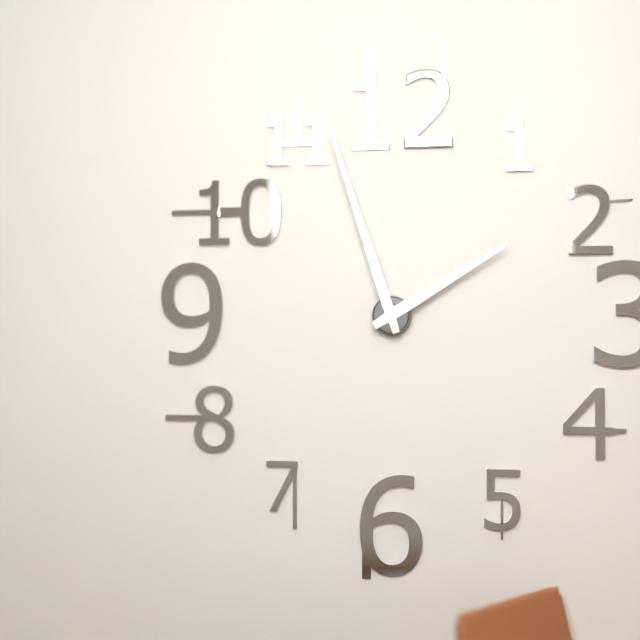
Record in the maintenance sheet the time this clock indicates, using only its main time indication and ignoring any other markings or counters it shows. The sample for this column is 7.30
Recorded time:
1.57
